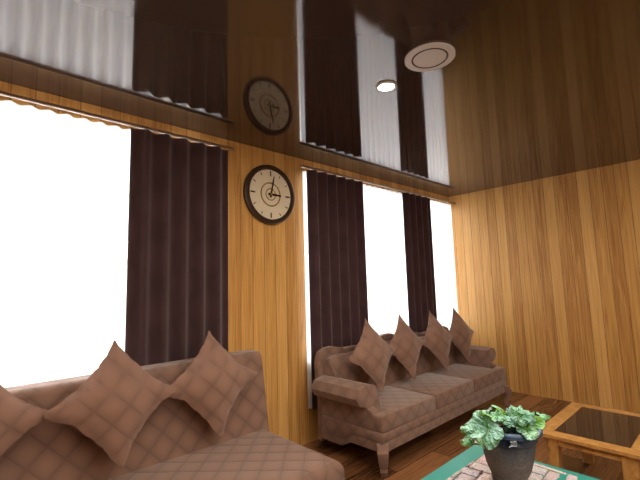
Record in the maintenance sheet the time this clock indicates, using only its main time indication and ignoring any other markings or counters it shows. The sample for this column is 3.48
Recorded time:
3.02
